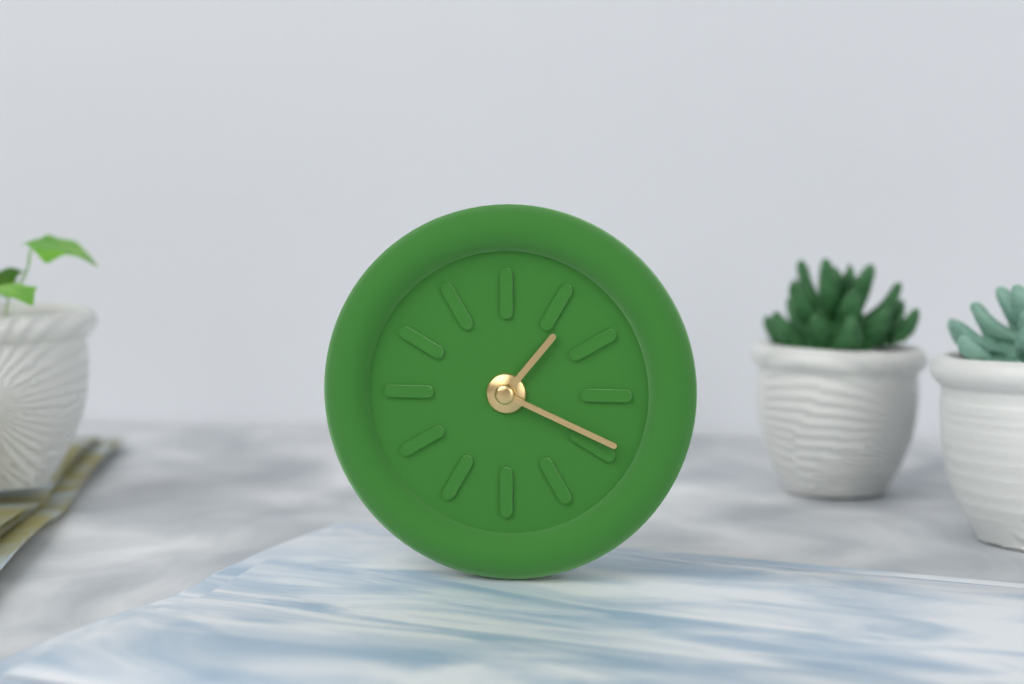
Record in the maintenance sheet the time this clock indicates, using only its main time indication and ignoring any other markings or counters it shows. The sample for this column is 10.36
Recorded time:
1.19
